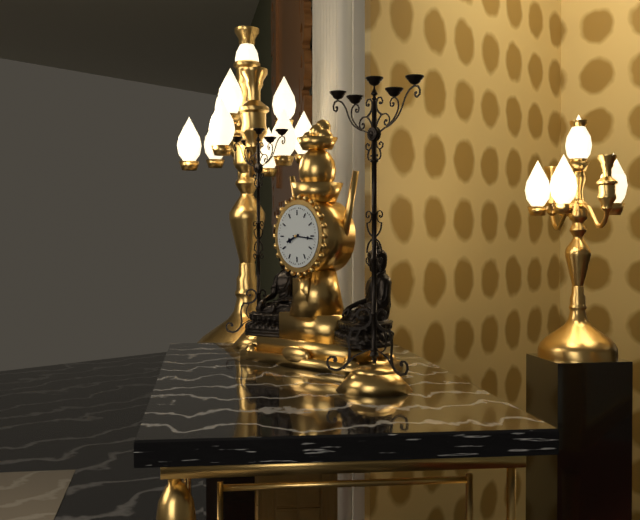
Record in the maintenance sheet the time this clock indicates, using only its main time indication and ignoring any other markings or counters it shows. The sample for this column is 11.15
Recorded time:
8.16
